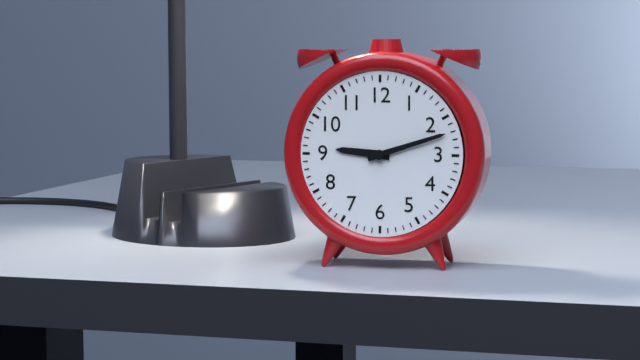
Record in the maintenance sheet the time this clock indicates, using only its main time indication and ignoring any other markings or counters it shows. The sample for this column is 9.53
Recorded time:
9.12
